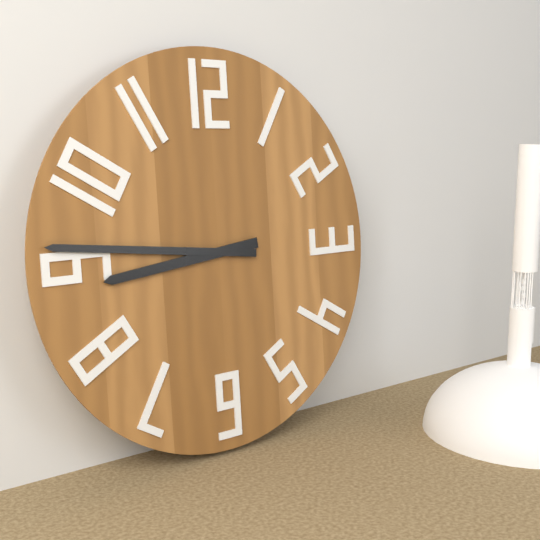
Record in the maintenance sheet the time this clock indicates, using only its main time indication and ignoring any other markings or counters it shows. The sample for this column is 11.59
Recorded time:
8.46
